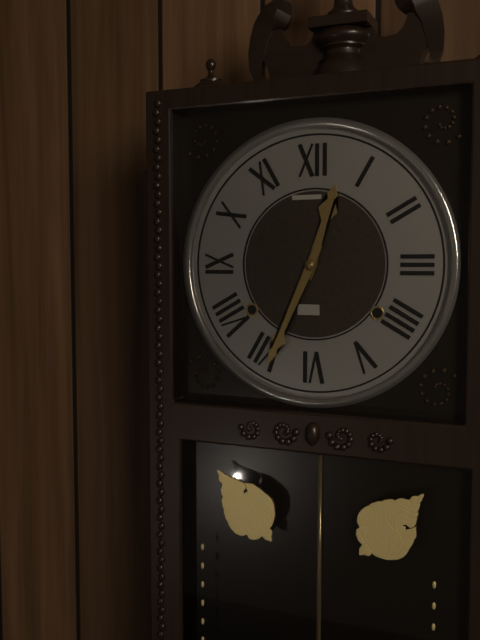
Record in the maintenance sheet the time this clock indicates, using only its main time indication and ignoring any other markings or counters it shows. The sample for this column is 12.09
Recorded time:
12.34
